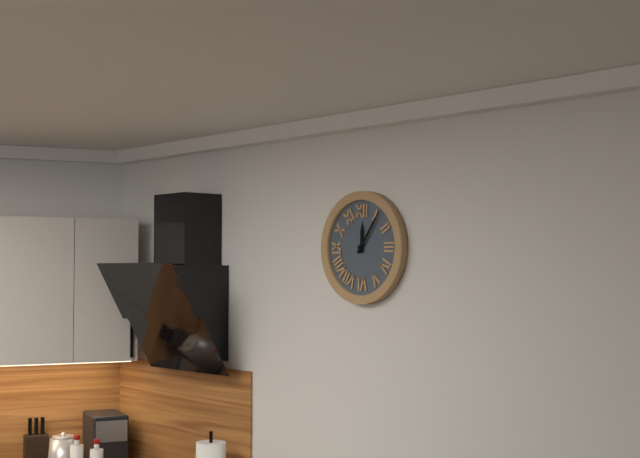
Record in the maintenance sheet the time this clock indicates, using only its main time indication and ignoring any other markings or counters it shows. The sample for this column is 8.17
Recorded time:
12.06
